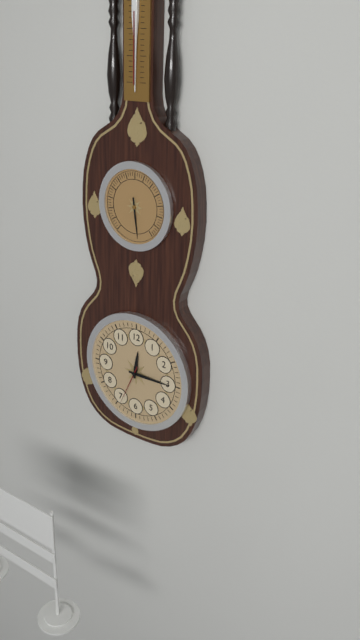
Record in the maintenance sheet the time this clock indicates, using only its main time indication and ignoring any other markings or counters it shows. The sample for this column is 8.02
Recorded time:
12.15
